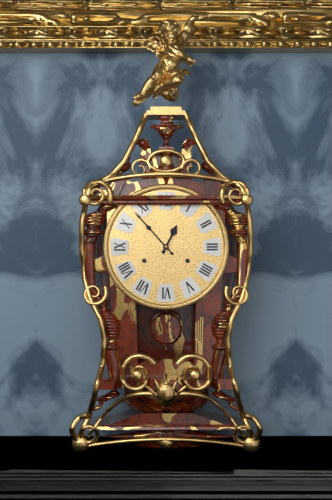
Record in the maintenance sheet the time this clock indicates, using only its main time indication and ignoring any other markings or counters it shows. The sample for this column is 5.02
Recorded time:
12.53
